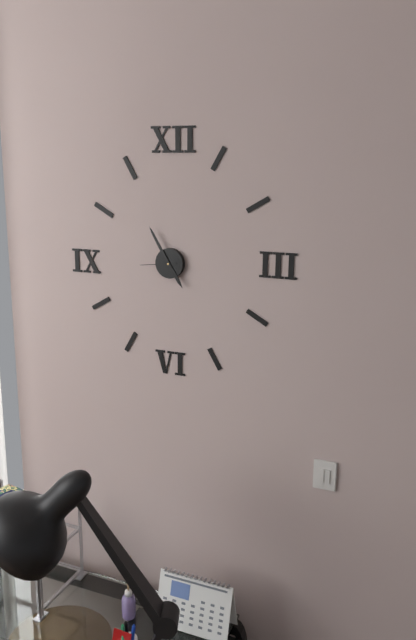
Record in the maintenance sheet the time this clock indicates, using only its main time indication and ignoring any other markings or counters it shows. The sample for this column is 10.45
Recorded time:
4.55
